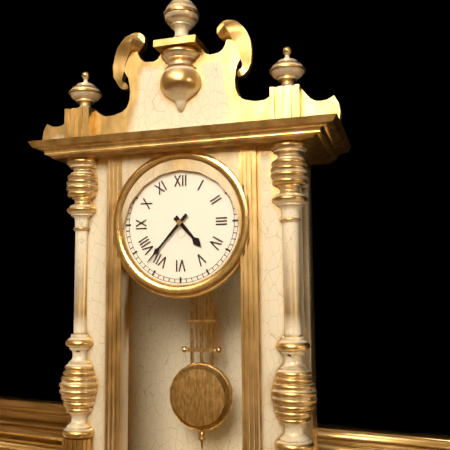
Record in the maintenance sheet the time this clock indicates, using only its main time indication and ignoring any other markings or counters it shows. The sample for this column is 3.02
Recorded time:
4.37
